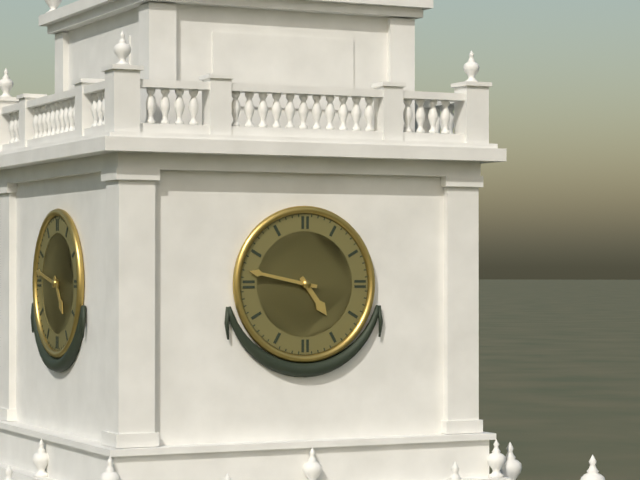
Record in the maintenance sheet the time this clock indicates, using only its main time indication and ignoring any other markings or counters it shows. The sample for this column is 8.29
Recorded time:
4.47
